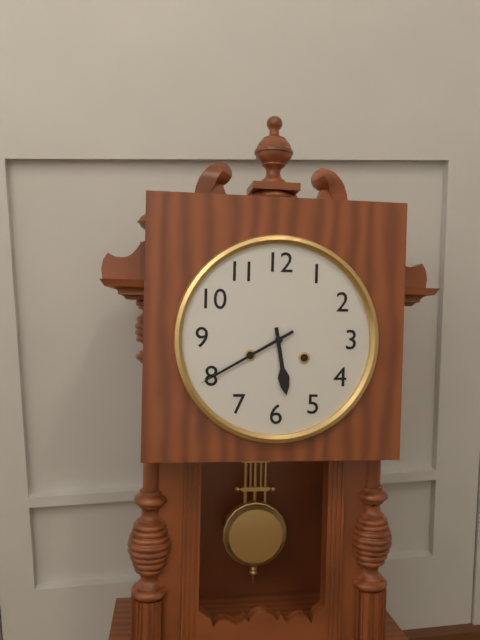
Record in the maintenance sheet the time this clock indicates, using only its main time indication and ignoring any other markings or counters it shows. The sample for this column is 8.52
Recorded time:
5.40
